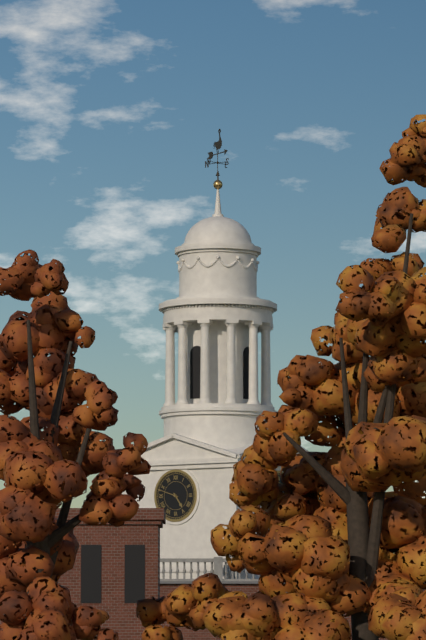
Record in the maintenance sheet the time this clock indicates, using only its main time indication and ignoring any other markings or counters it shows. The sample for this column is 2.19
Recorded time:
4.48
